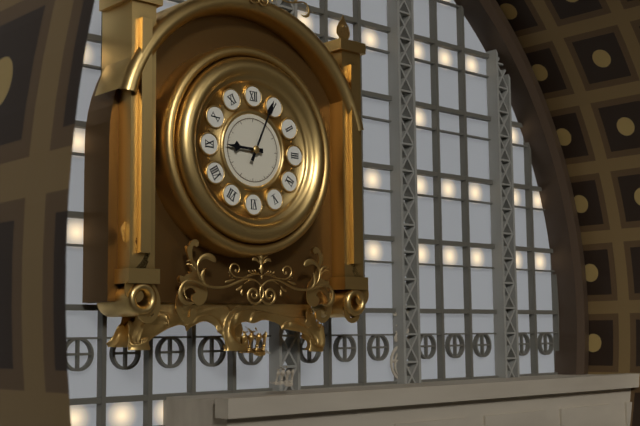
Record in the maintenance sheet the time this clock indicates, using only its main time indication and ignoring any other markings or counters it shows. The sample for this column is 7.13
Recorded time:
9.04
